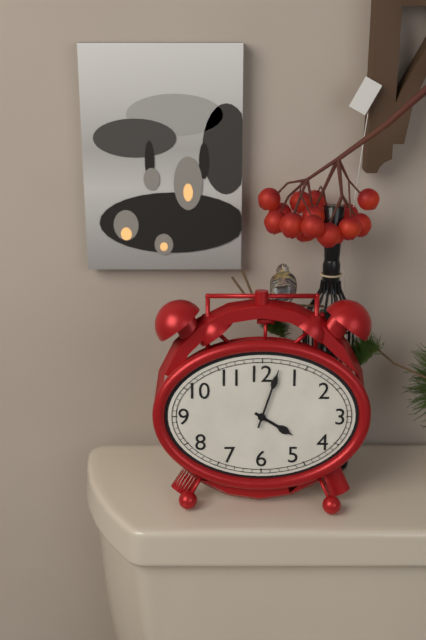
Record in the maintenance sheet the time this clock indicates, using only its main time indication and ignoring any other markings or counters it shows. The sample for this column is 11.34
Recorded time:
4.03
